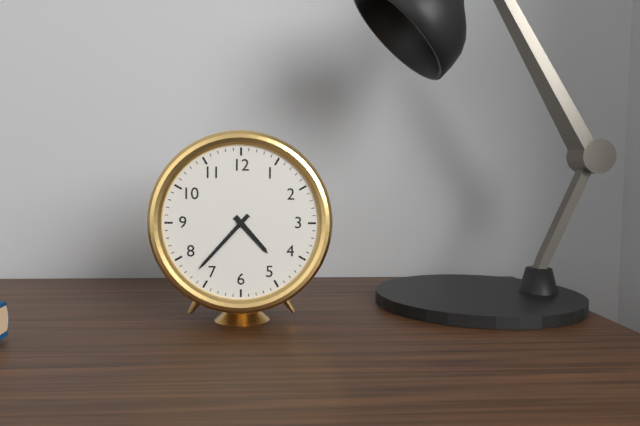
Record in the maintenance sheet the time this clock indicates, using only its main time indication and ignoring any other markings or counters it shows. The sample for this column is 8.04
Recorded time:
4.37
